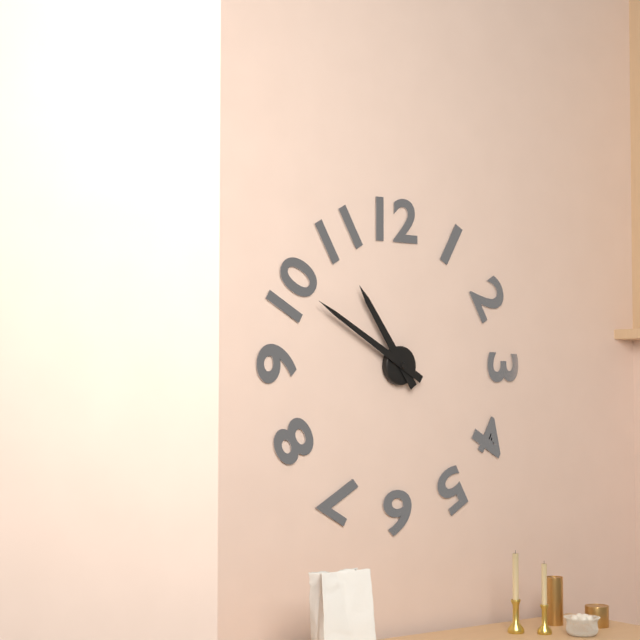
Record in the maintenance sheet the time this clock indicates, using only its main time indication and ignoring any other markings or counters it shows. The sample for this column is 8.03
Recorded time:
10.50
